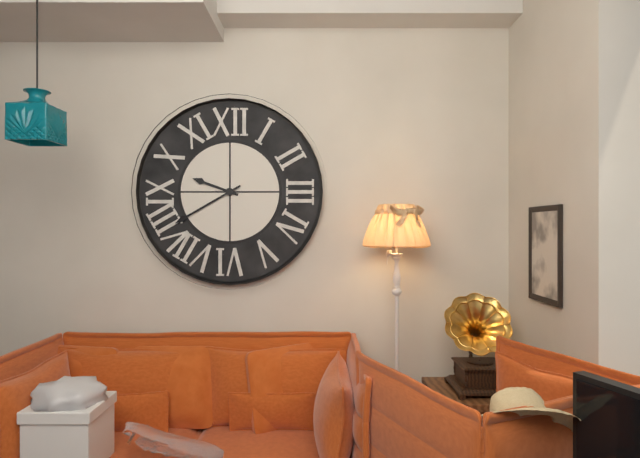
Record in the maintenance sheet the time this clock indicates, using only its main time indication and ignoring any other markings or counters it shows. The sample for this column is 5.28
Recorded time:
9.40
